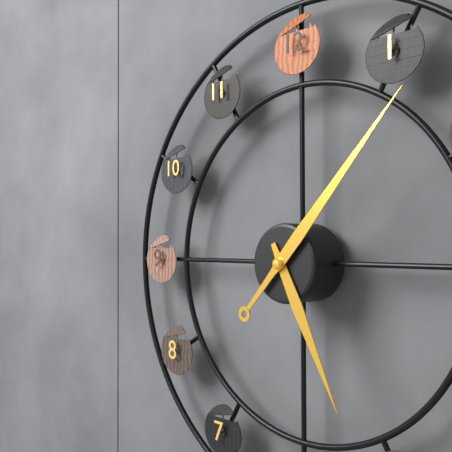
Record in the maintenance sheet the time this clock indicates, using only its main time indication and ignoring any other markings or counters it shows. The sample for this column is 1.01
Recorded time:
5.07
